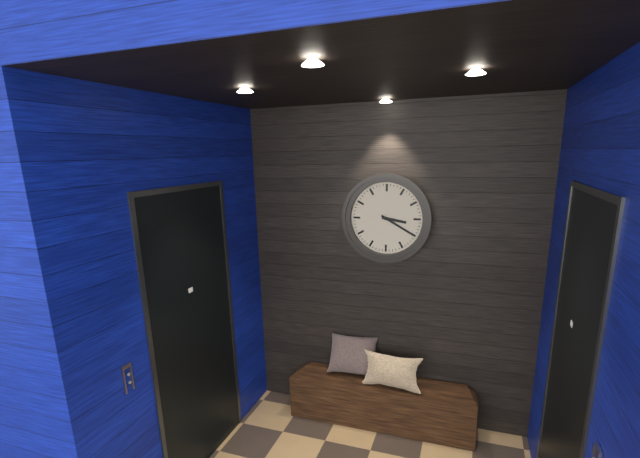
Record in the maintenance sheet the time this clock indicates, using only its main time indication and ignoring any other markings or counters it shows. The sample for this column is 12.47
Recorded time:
3.20
